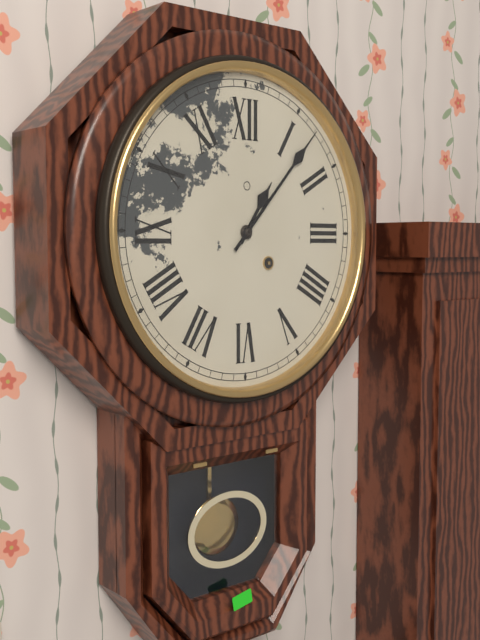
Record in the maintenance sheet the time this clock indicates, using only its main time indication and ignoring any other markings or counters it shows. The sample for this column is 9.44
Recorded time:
1.07
